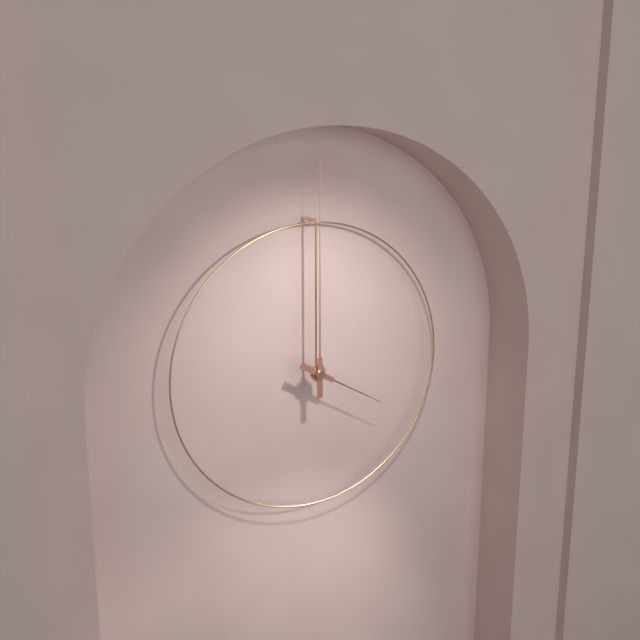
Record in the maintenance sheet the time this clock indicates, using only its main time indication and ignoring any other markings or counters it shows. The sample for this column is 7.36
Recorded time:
4.00
